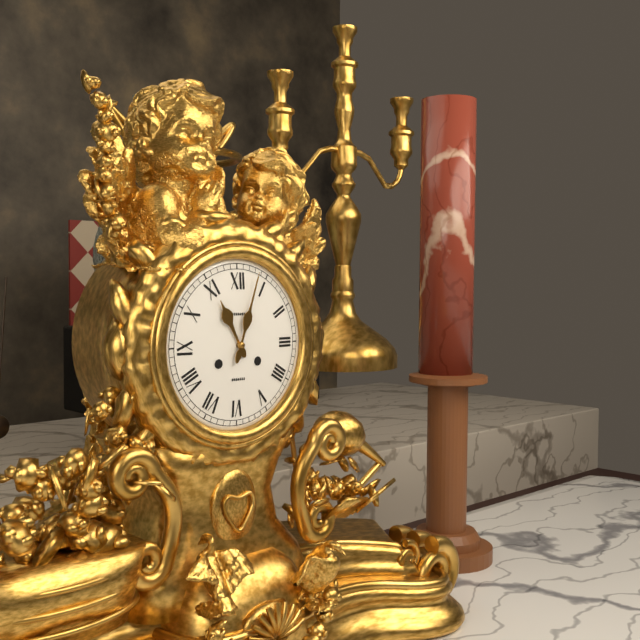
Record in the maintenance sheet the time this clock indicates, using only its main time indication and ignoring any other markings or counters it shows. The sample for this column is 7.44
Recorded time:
11.03
